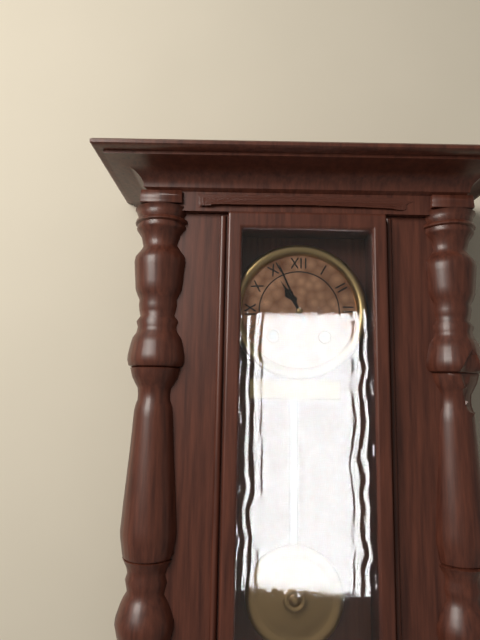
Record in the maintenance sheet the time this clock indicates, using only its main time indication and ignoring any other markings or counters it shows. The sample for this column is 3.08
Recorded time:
10.56
